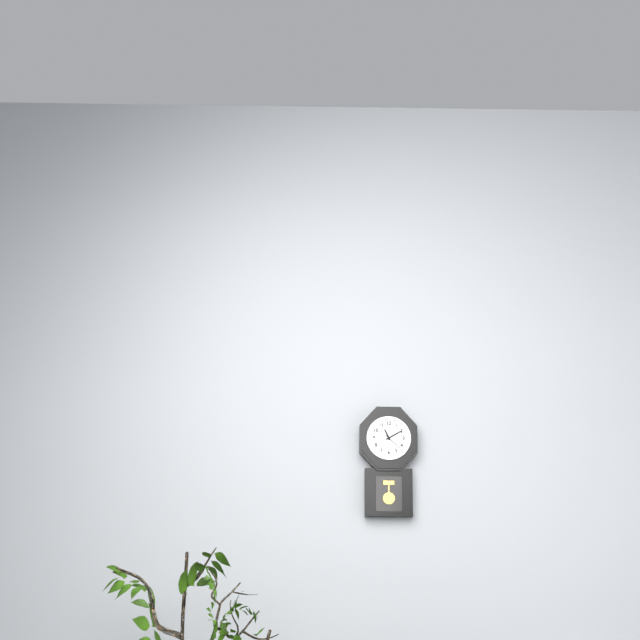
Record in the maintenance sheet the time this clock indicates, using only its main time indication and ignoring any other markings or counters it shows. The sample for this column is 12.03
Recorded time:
11.10
